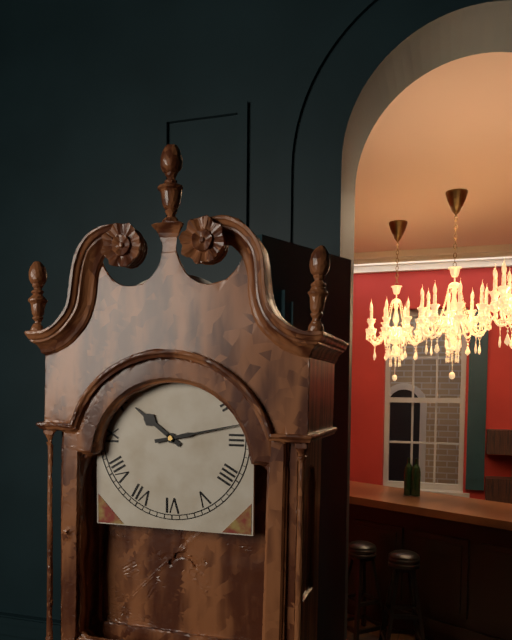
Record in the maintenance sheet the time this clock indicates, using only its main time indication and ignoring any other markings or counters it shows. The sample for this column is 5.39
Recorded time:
10.13
